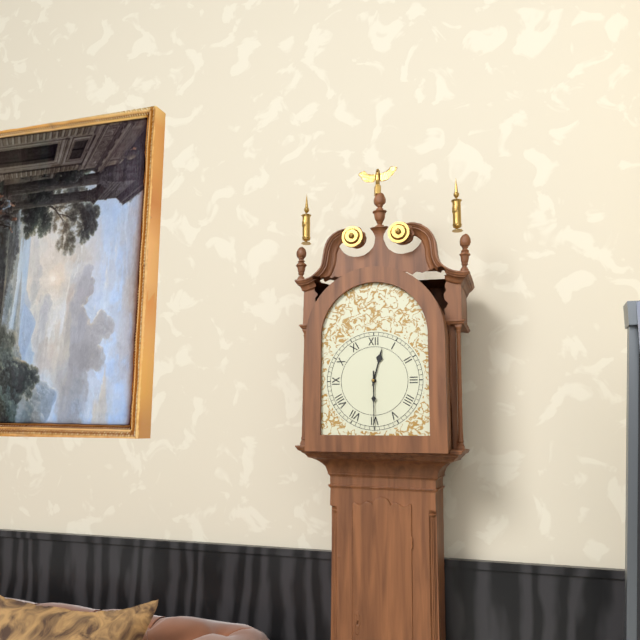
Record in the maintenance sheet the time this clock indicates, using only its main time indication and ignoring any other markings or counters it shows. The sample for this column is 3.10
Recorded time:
12.30
